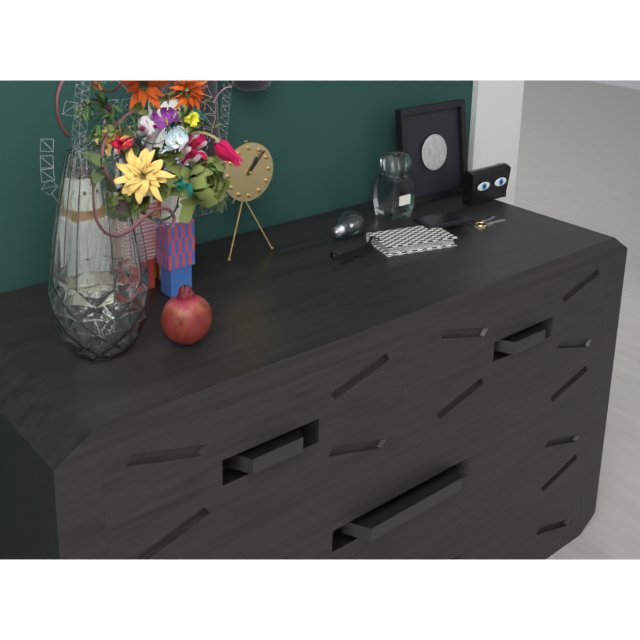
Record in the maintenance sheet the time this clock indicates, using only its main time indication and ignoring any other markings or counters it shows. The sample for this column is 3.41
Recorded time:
1.07
